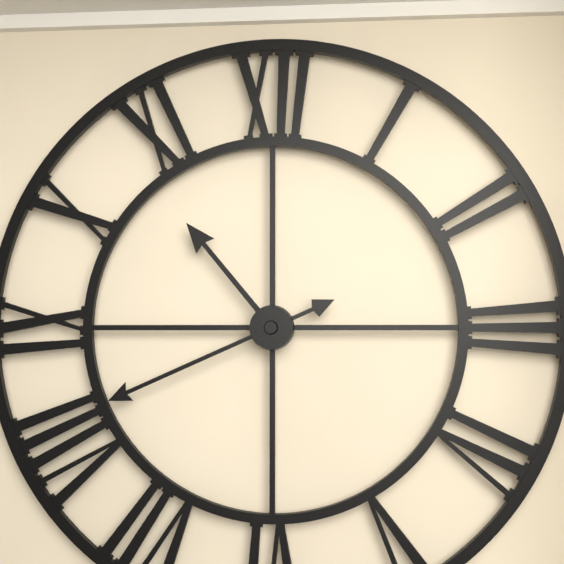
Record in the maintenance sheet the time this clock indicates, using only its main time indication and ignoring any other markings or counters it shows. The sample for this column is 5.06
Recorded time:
10.41
